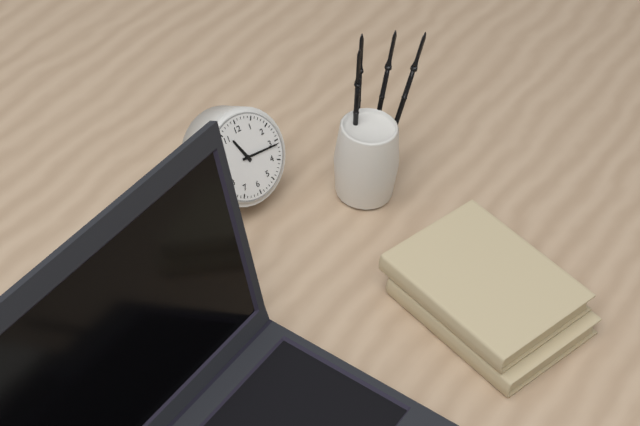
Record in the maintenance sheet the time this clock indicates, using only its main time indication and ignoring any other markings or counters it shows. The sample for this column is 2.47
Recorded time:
11.16
